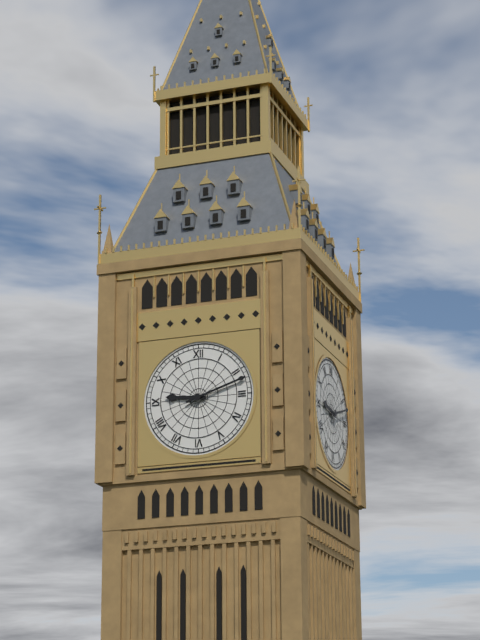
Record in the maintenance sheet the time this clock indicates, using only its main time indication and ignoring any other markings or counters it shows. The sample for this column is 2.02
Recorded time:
9.12
